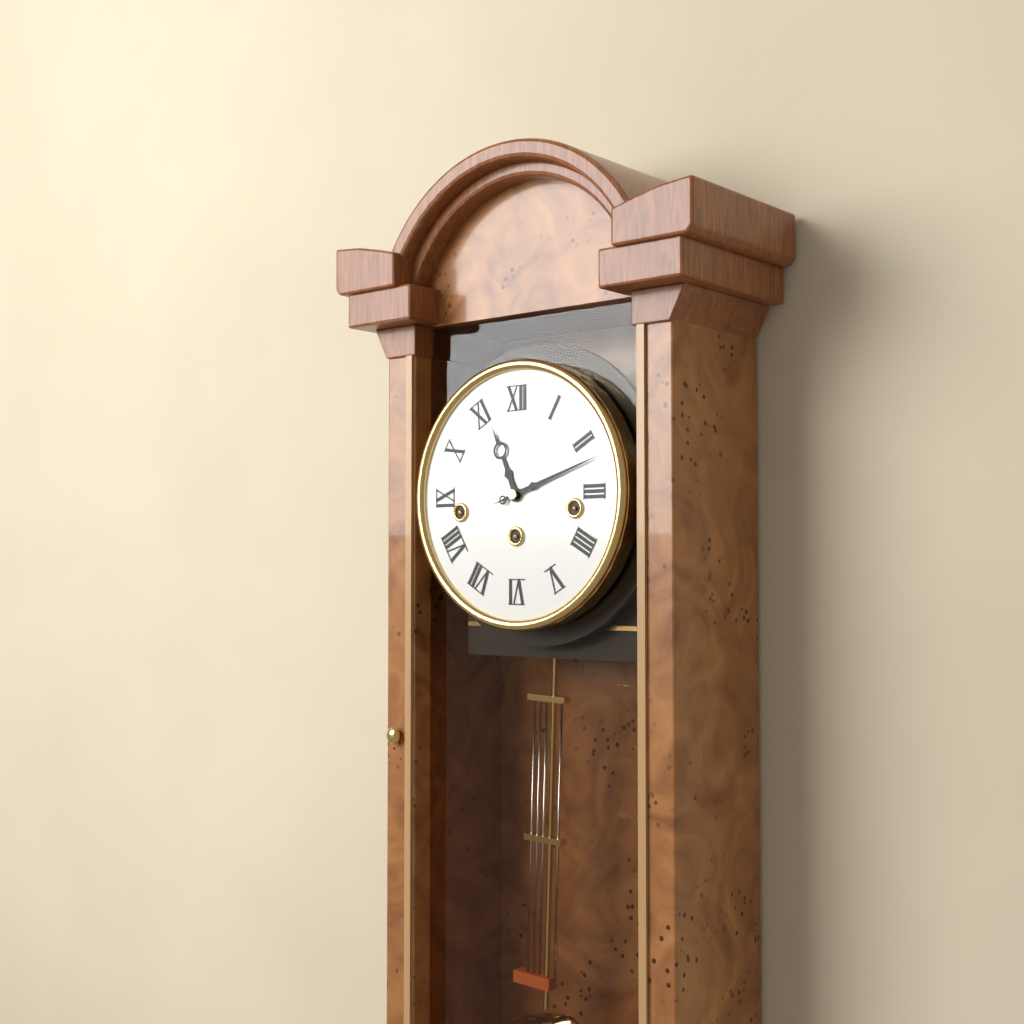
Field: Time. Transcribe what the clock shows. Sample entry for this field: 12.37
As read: 11.12
